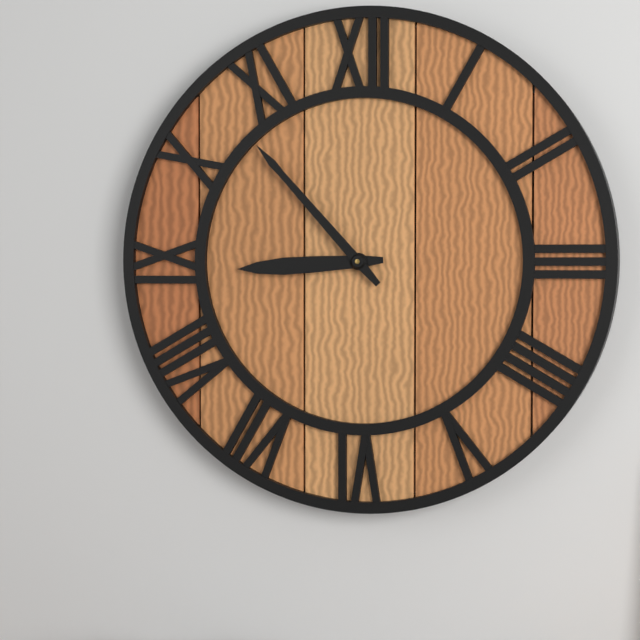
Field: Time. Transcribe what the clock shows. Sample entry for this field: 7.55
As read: 8.53
